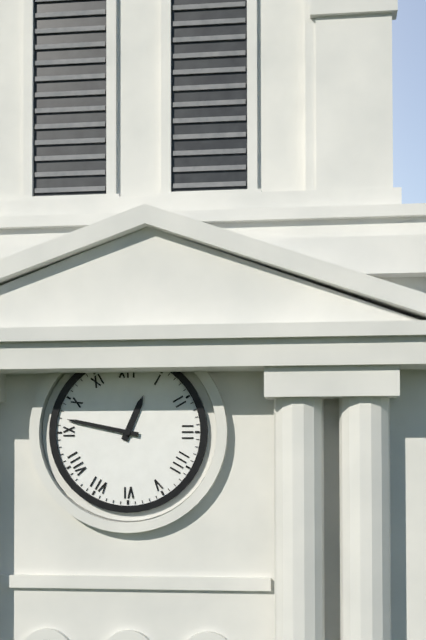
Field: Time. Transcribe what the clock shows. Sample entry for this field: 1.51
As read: 12.47
